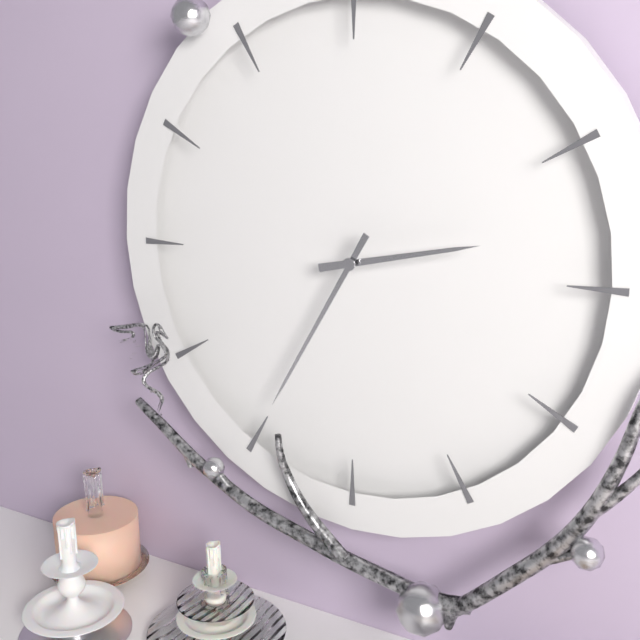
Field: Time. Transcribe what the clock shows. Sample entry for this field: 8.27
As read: 2.35
